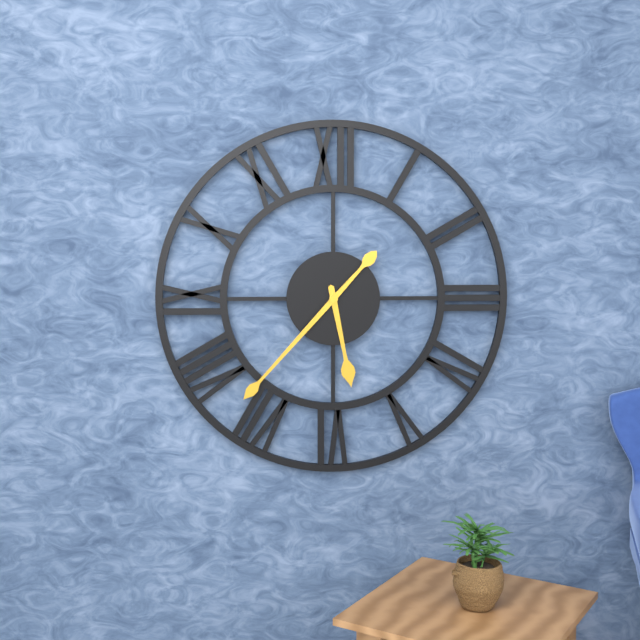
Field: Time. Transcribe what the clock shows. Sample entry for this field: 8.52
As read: 5.37
